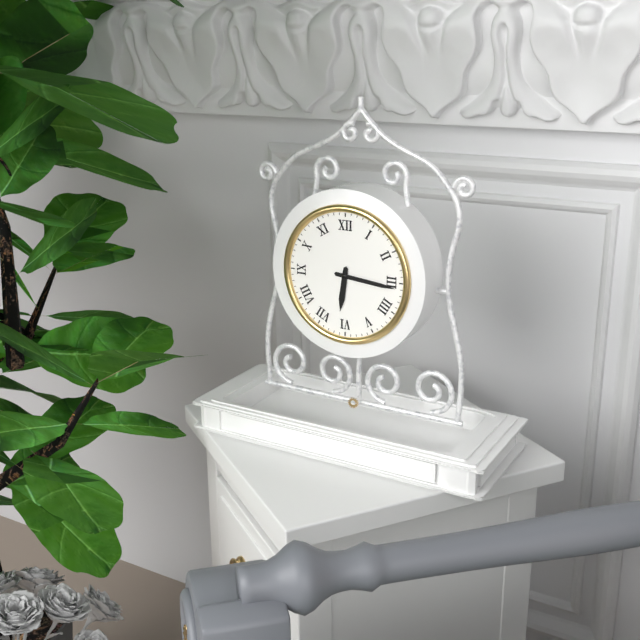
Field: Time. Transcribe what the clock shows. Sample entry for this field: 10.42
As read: 6.16
